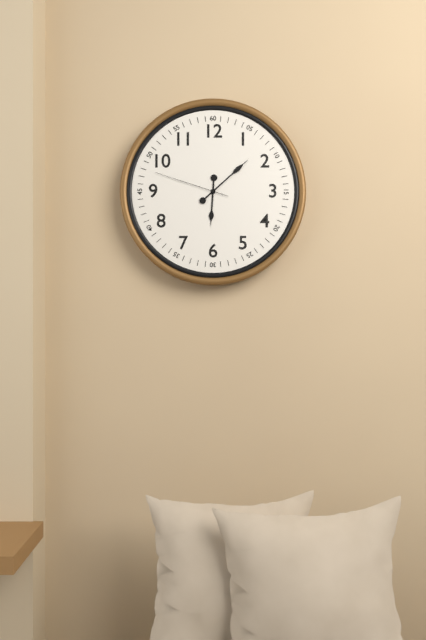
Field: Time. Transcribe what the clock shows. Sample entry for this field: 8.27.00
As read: 6.08.48
